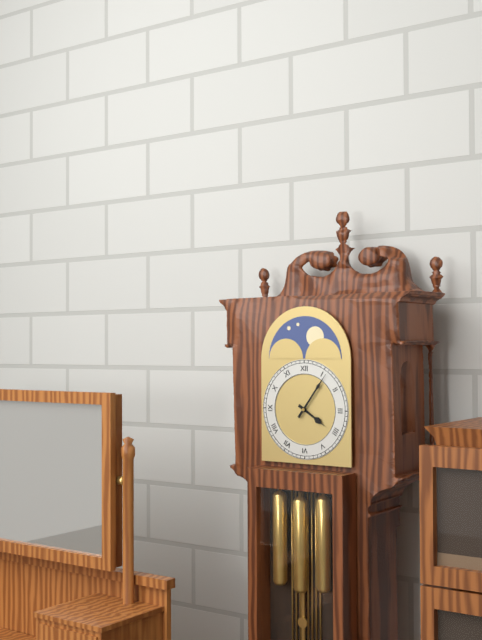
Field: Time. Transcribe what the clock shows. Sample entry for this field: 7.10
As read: 4.06
